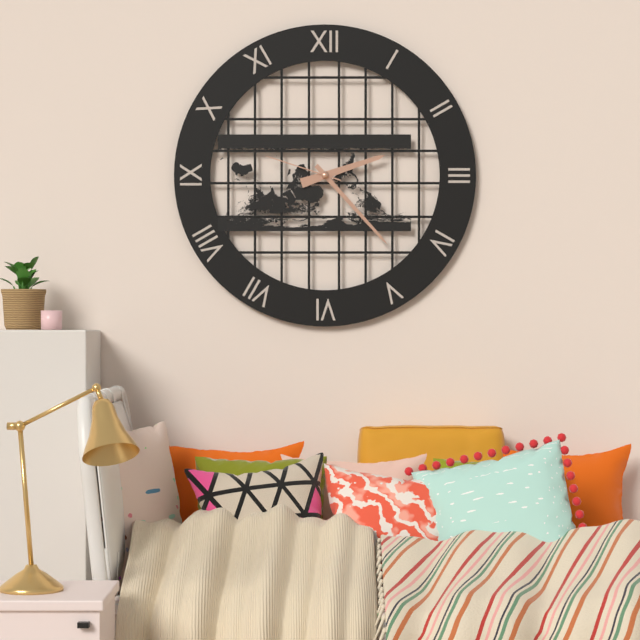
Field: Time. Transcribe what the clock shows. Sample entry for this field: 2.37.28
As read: 2.23.48
